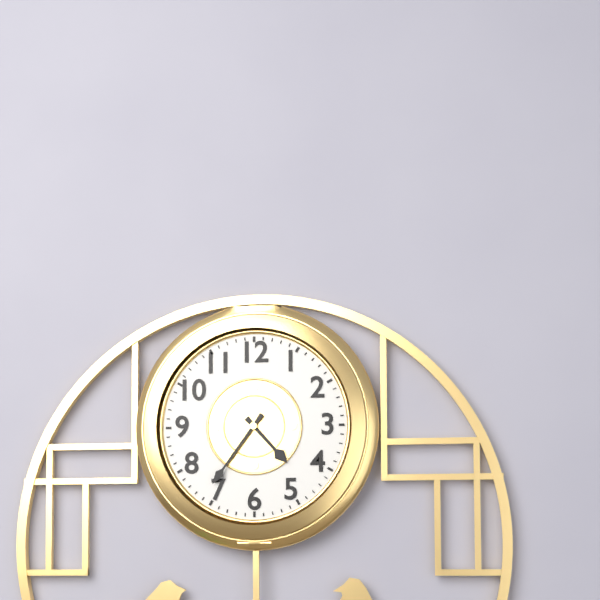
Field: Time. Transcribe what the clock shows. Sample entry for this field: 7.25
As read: 4.36
